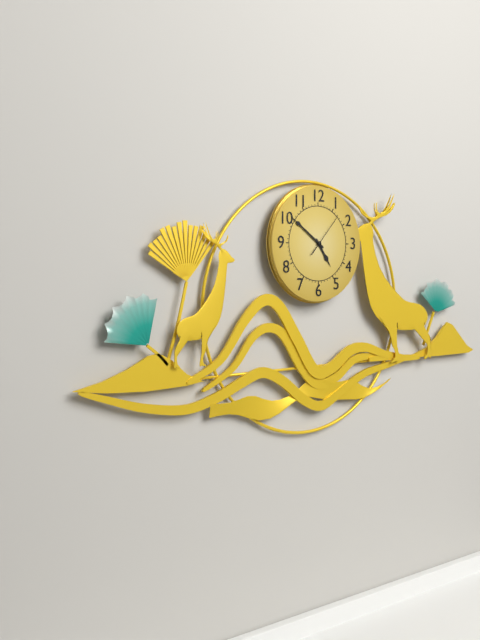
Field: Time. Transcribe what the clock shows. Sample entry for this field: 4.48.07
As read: 4.51.07
